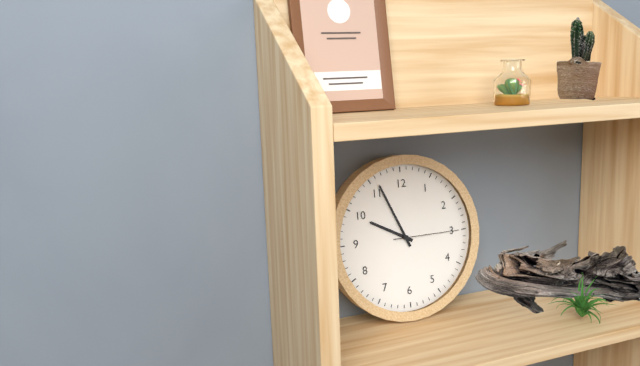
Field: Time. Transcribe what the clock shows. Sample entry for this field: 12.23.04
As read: 9.56.15
